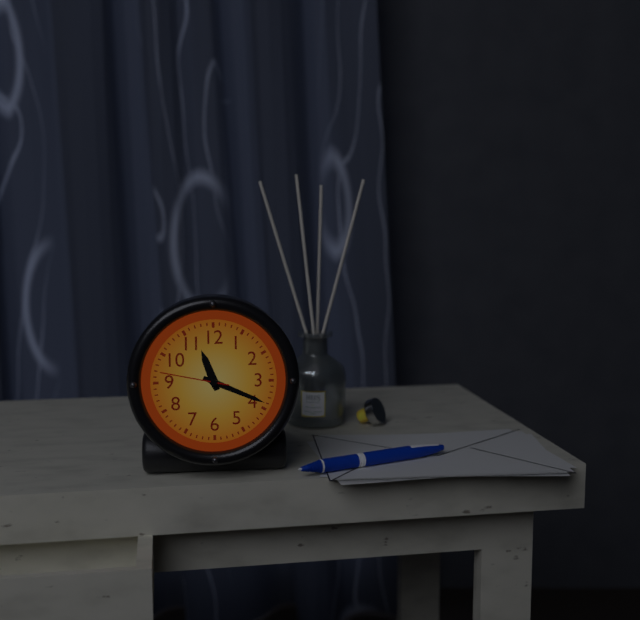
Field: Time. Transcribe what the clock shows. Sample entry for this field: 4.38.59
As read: 11.19.47
